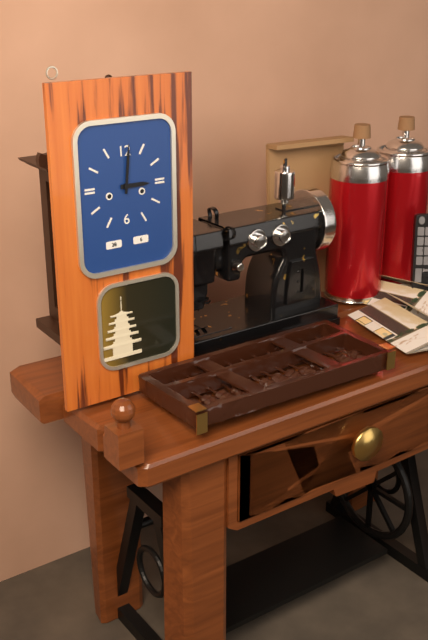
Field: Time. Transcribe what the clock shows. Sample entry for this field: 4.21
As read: 3.01
